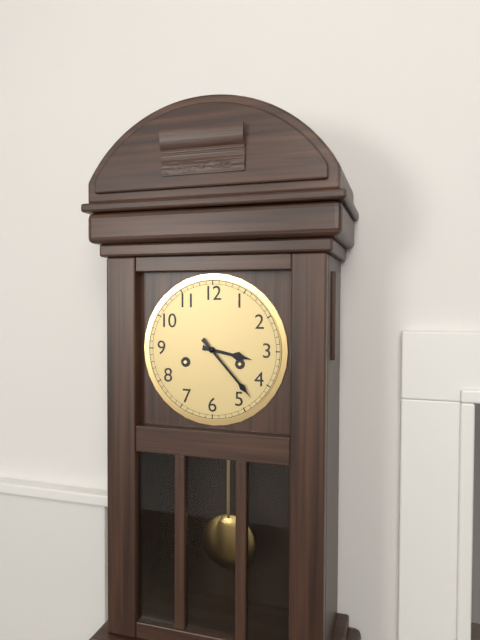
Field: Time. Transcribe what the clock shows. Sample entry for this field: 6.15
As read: 3.23
